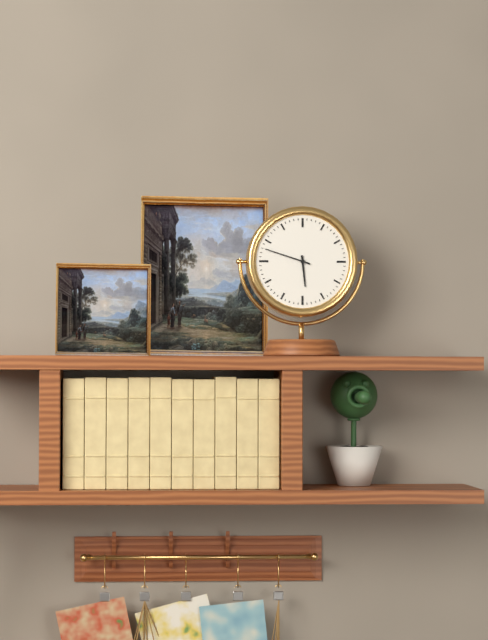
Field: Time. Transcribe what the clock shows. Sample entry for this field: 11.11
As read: 5.48
